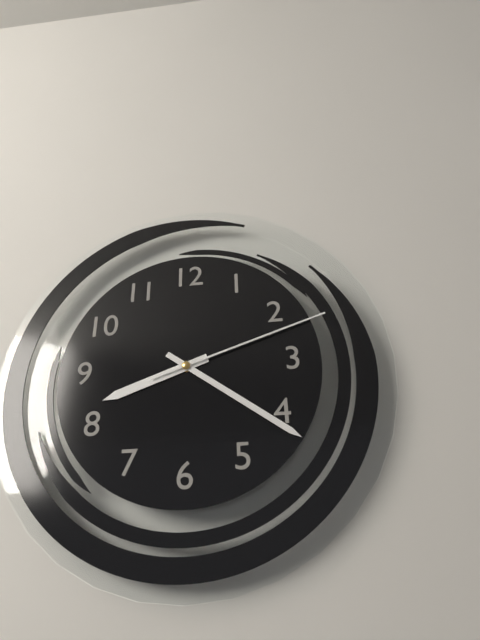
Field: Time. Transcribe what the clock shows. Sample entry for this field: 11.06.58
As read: 8.21.12
